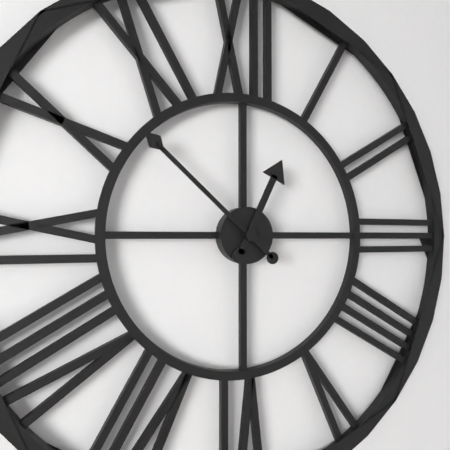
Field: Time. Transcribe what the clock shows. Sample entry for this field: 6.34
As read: 12.52
